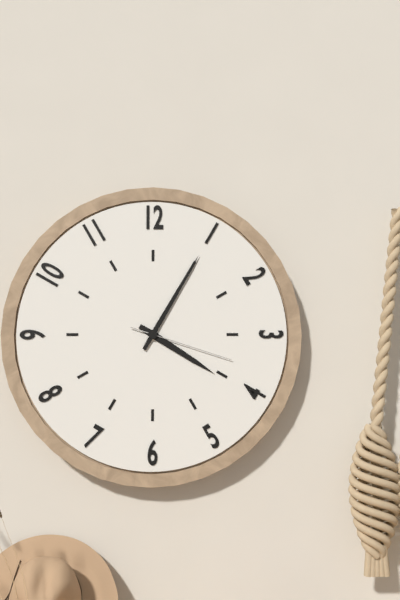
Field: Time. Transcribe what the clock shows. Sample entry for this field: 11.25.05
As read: 4.05.18
